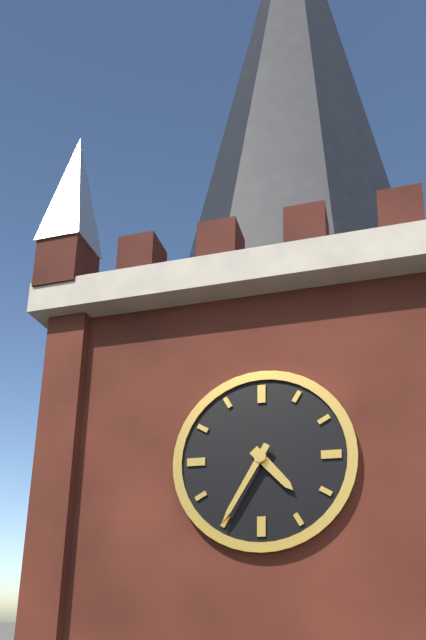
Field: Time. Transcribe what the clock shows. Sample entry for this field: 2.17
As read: 4.35
